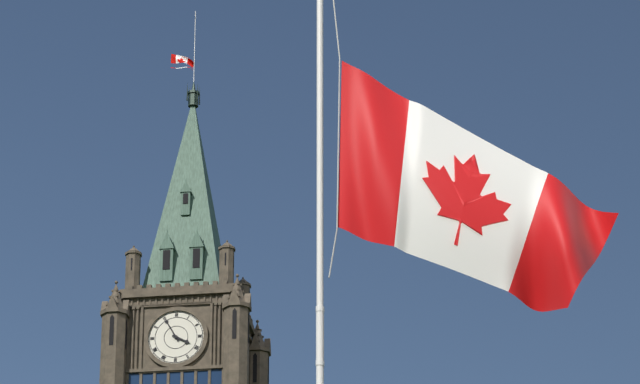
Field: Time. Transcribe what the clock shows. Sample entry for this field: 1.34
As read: 3.55
